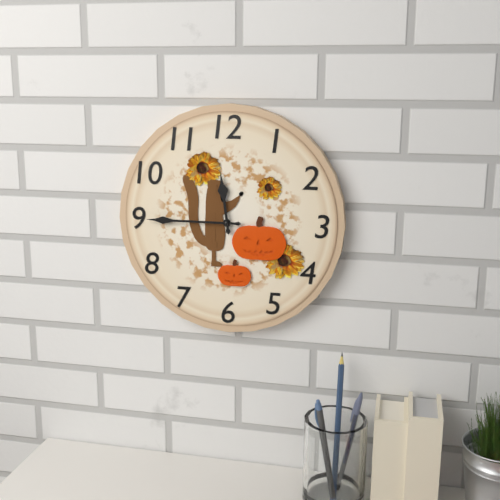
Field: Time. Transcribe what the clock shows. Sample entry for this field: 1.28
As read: 11.45
